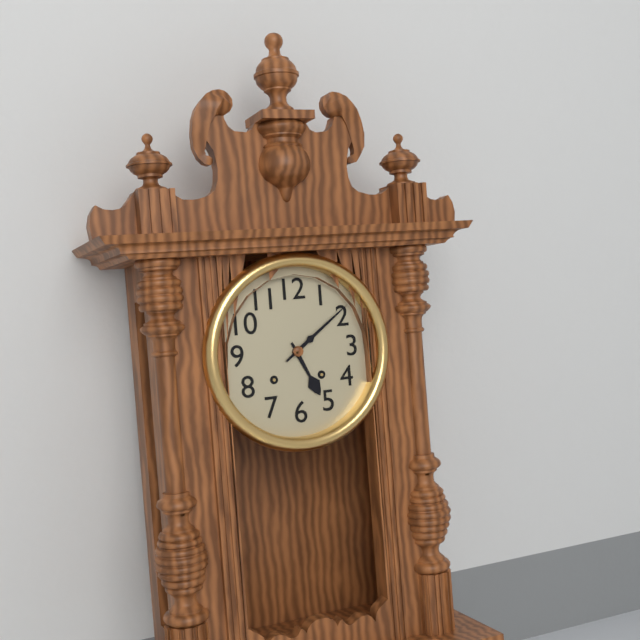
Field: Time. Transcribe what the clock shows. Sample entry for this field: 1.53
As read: 5.09
